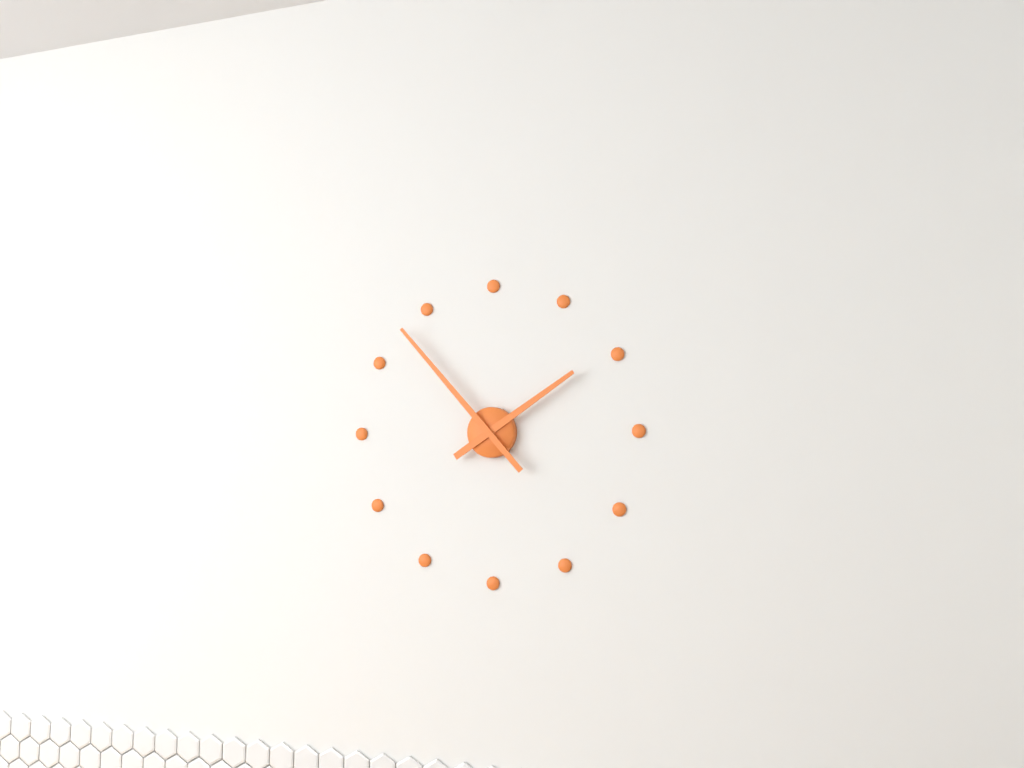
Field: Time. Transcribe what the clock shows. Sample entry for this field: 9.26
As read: 1.53
